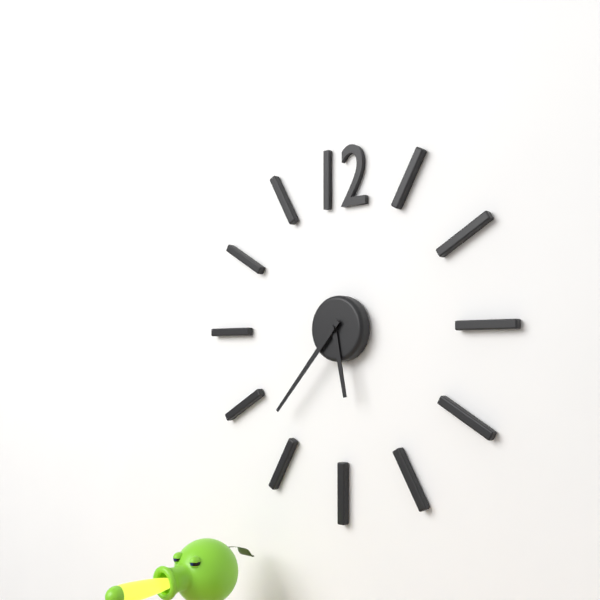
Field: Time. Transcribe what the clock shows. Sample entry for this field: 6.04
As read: 5.37
